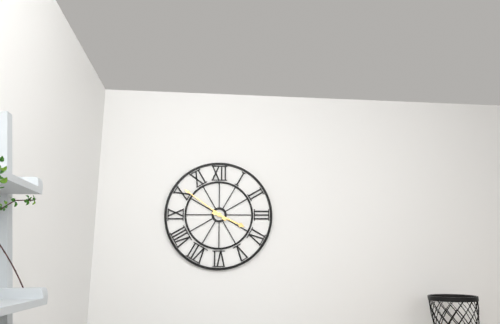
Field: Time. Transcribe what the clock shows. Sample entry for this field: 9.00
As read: 3.51
